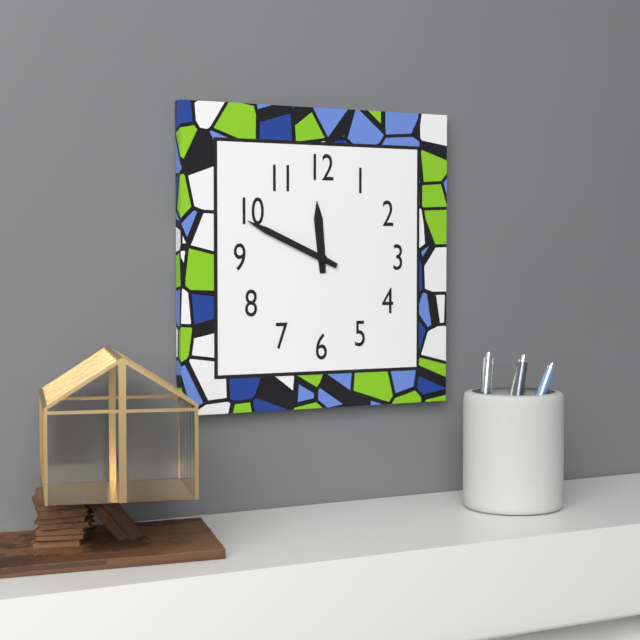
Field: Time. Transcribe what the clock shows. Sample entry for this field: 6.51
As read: 11.49
